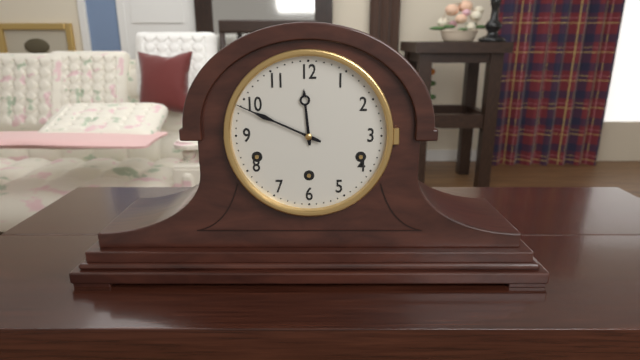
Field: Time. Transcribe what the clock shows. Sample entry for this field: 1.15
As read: 11.49
